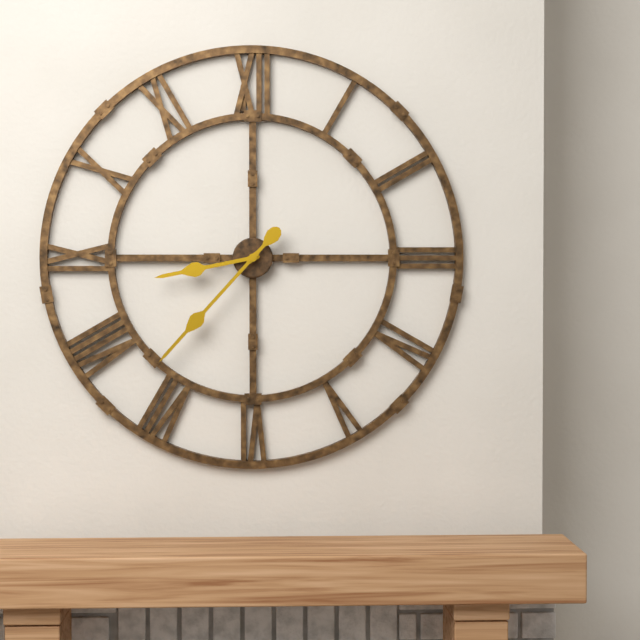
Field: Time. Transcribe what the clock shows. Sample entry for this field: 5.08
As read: 8.37
